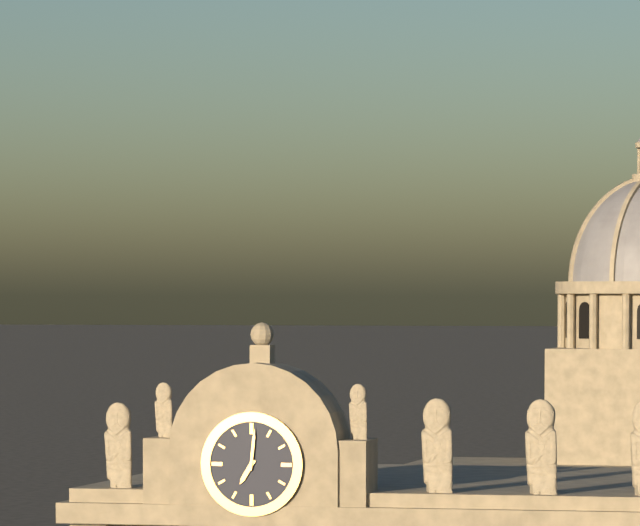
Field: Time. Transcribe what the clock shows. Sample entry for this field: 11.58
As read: 7.01
